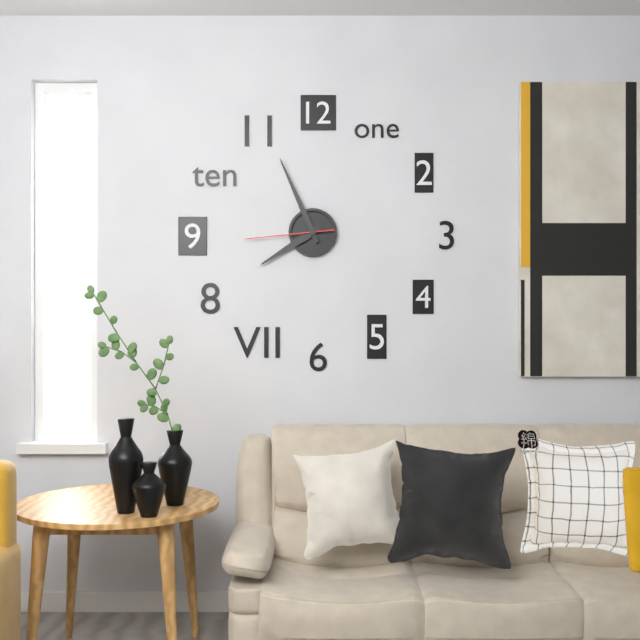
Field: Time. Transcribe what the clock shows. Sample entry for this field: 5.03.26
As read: 7.56.44
